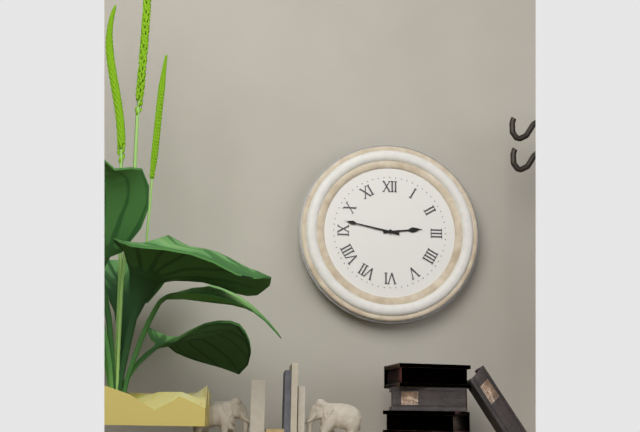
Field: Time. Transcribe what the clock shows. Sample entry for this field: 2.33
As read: 2.47
